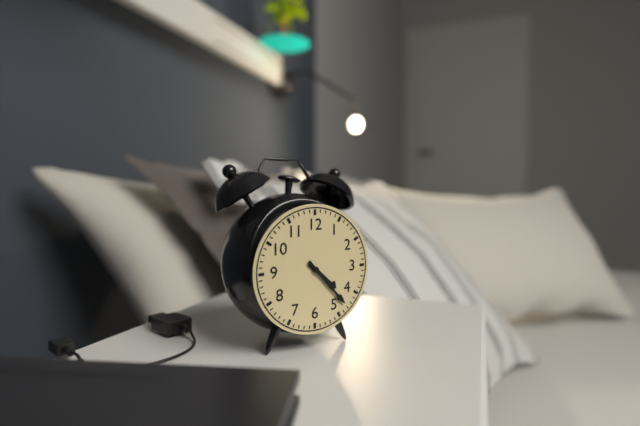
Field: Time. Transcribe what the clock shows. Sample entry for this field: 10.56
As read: 4.23
